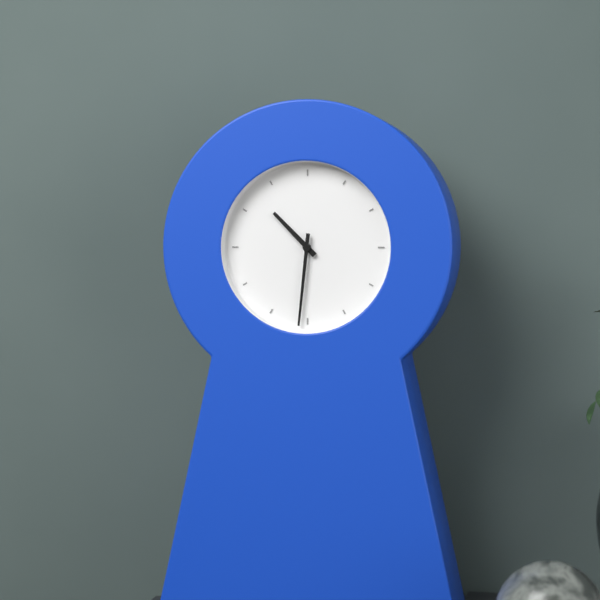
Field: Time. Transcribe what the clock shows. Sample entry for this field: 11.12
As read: 10.31
